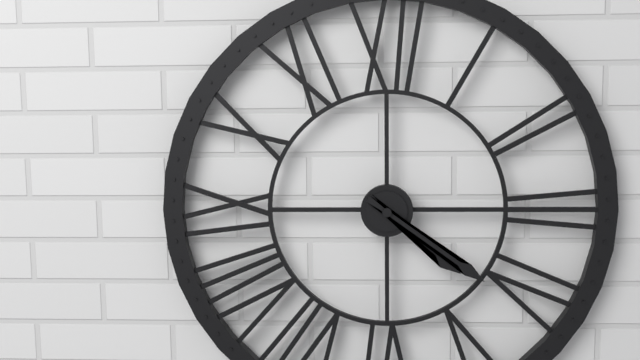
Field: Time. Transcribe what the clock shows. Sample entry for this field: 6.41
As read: 4.21
